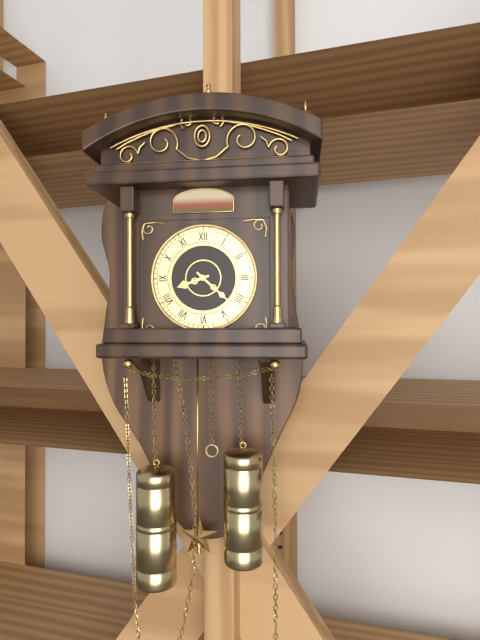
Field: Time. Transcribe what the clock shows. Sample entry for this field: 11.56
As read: 8.22
